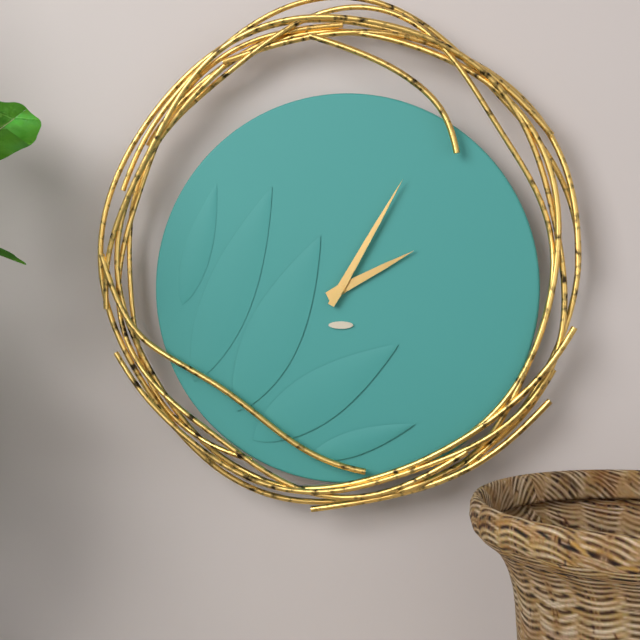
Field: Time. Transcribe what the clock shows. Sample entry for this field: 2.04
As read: 2.05
